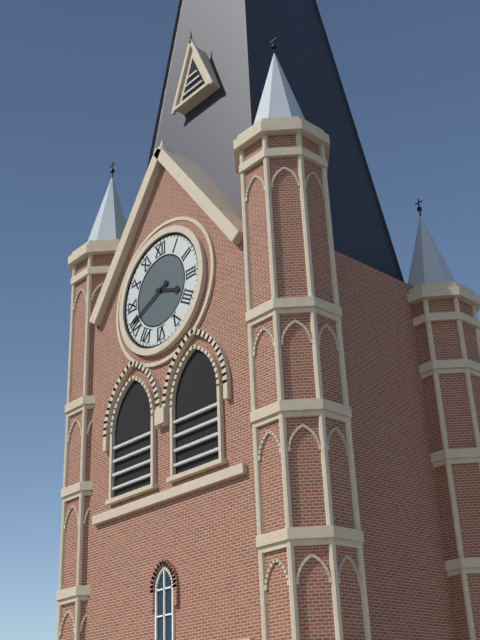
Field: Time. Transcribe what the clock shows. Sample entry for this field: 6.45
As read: 3.41
